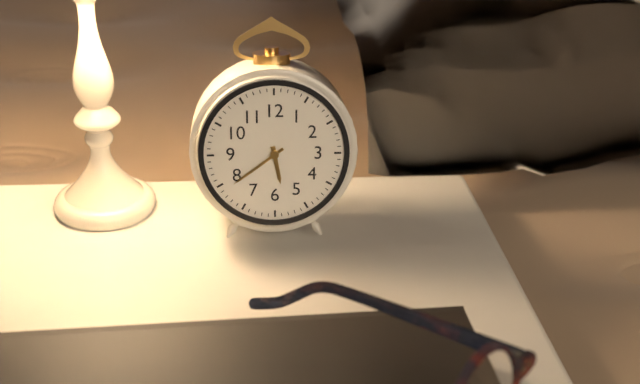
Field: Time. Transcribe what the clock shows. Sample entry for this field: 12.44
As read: 5.39
